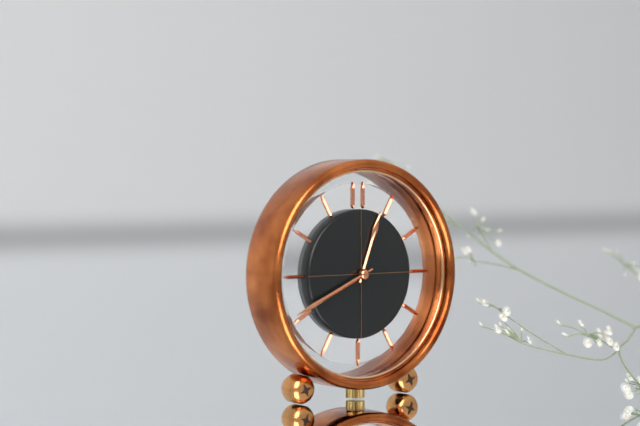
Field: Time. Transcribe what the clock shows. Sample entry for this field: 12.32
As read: 12.41
